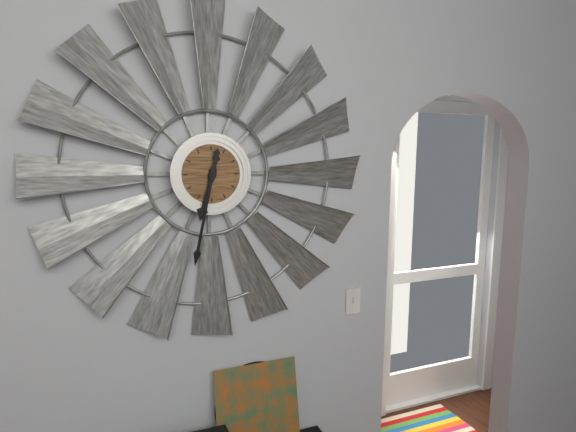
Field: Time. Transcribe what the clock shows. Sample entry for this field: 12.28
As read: 6.32
